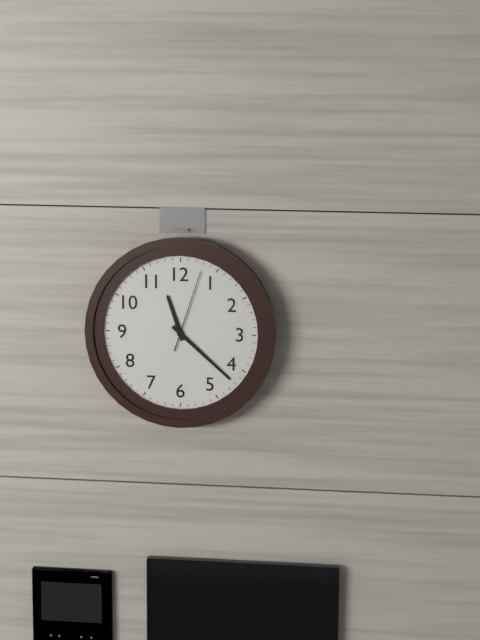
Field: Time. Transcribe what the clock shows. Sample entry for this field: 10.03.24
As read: 11.22.03
